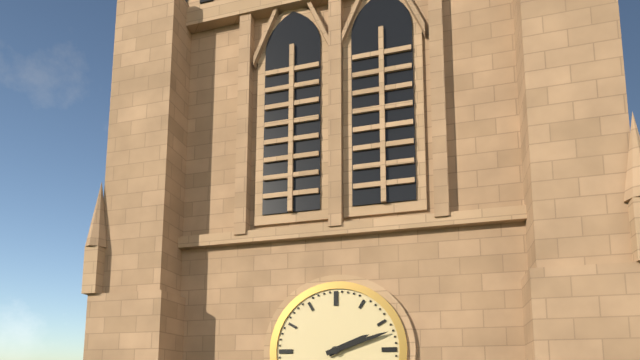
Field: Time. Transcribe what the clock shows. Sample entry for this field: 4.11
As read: 2.12
